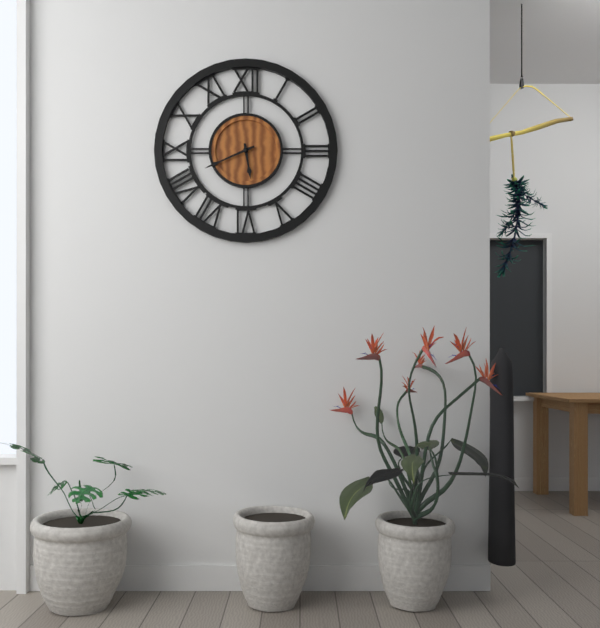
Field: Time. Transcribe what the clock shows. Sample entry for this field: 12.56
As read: 5.41
